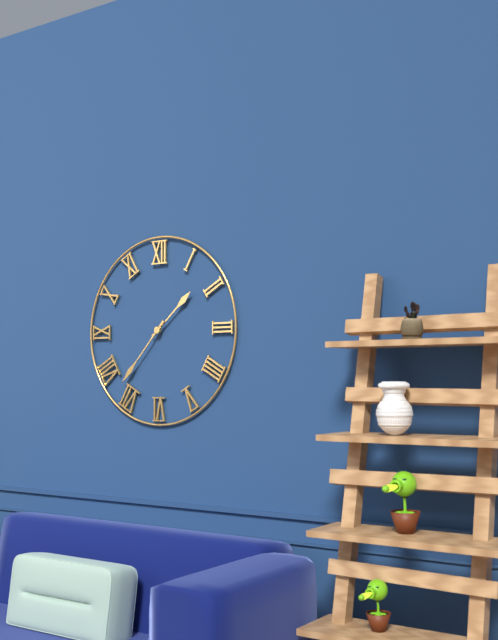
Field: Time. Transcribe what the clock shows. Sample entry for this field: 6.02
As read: 1.37
